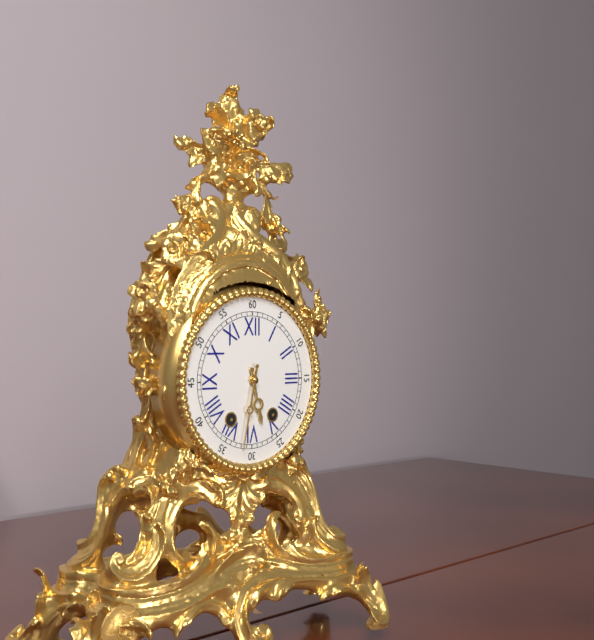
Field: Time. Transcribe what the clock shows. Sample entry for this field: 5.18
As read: 5.32
